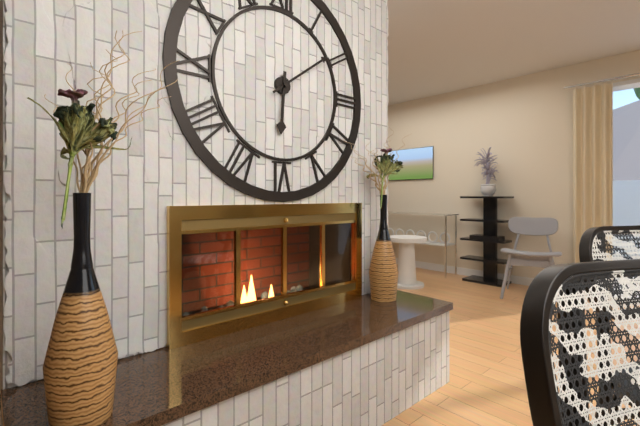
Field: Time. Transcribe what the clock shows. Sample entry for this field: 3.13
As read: 6.09
